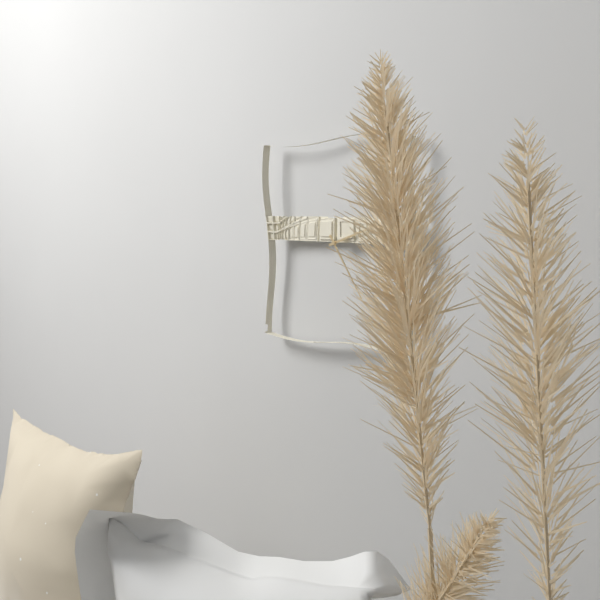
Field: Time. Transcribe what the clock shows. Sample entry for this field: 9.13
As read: 2.24
